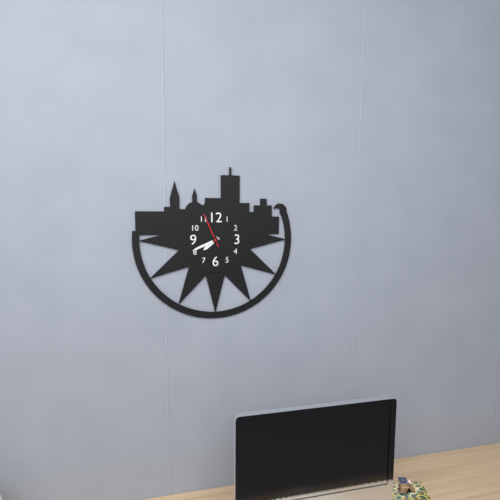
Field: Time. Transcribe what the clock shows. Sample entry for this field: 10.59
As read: 7.41
